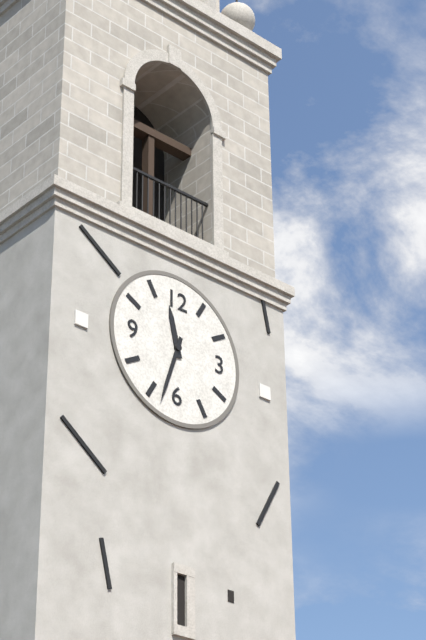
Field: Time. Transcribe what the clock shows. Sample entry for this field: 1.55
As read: 11.33
